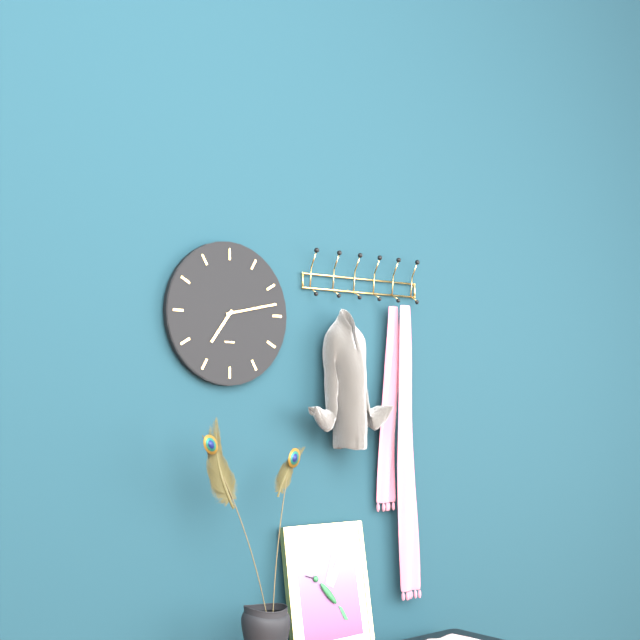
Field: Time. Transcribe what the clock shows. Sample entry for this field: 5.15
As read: 7.13
